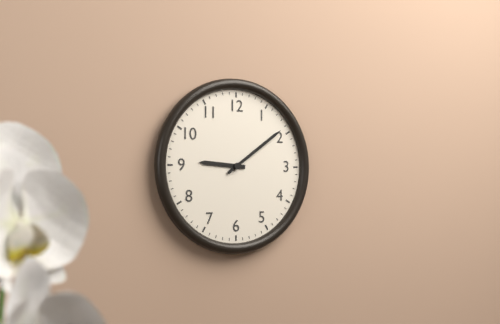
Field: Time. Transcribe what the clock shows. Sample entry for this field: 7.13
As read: 9.09
